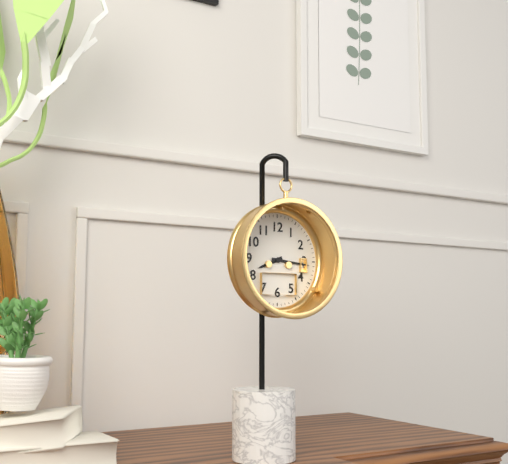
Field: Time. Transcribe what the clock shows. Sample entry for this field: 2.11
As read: 8.16
